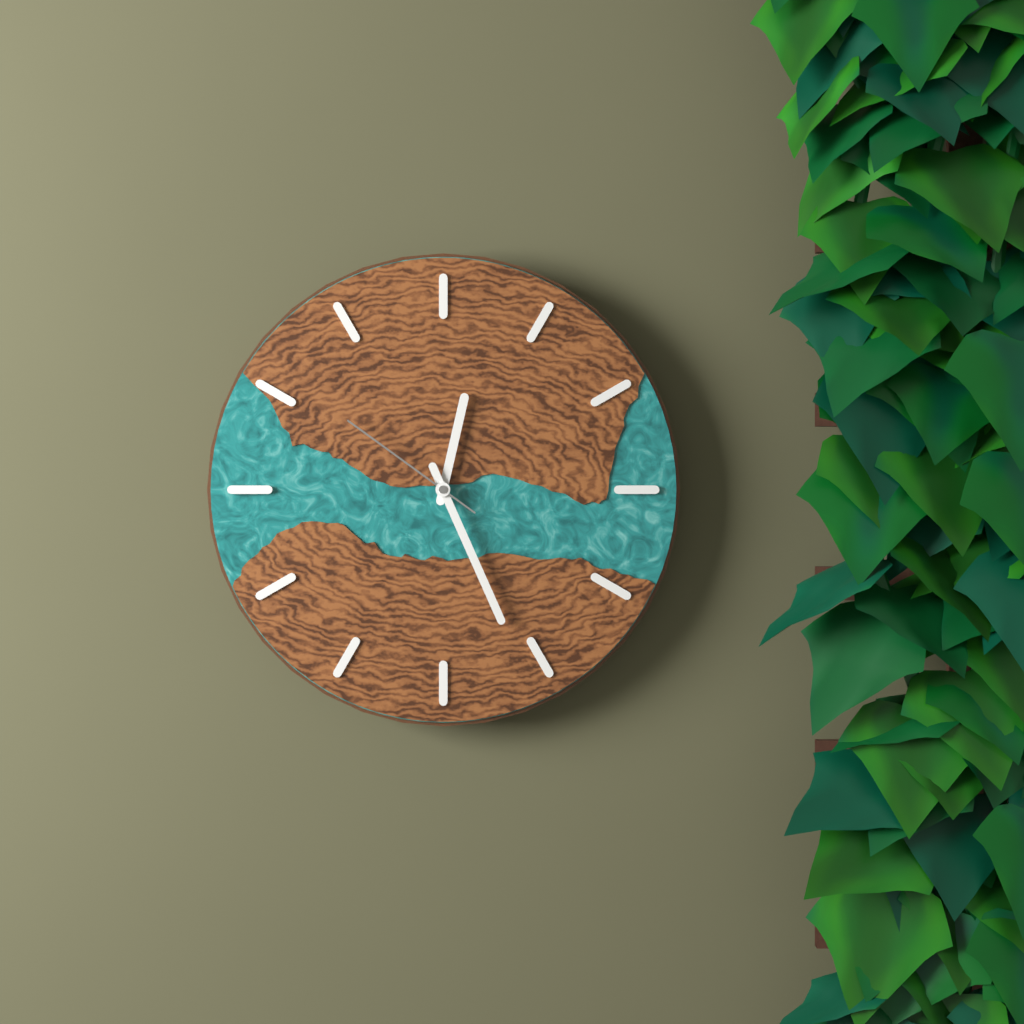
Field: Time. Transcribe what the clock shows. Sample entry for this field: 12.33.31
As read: 12.26.51
